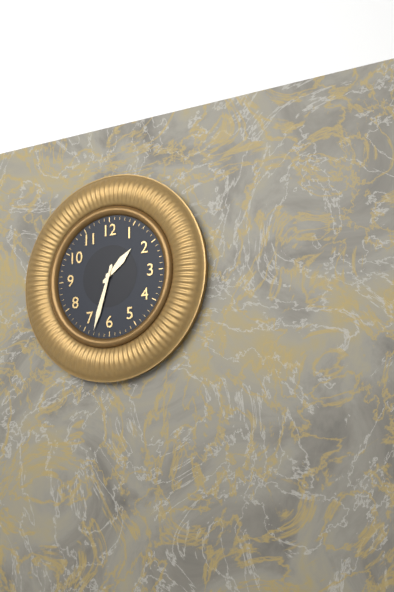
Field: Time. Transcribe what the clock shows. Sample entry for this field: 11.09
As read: 1.33
